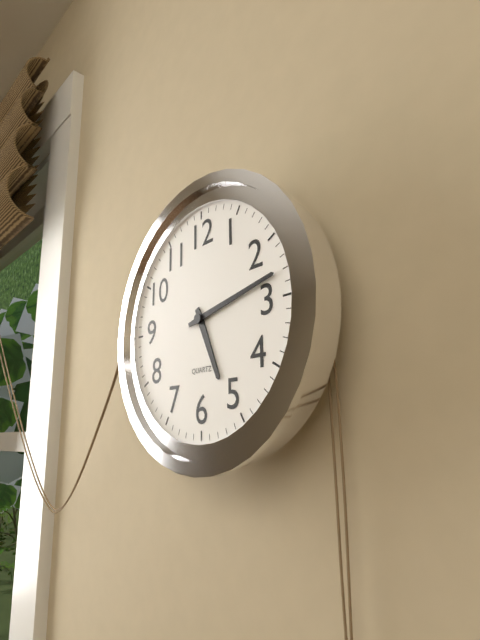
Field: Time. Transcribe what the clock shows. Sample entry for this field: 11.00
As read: 5.13
